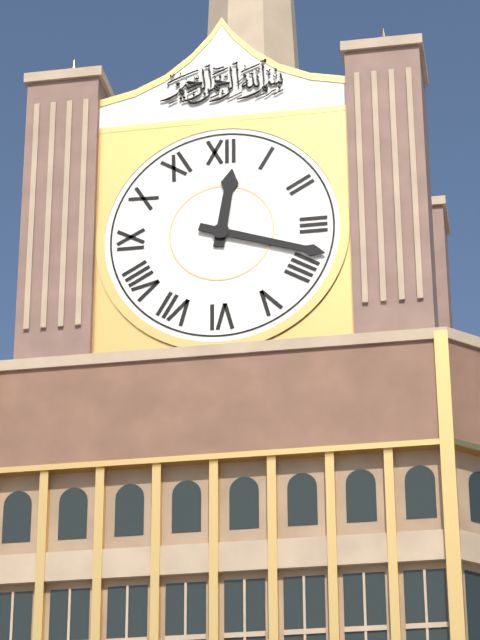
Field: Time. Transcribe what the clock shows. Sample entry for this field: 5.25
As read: 12.18
